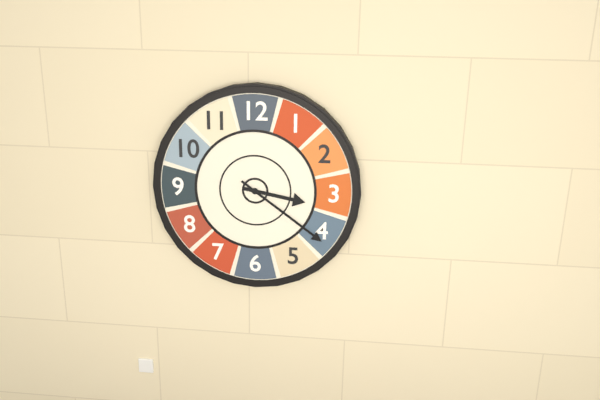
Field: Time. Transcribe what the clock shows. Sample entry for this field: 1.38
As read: 3.21
